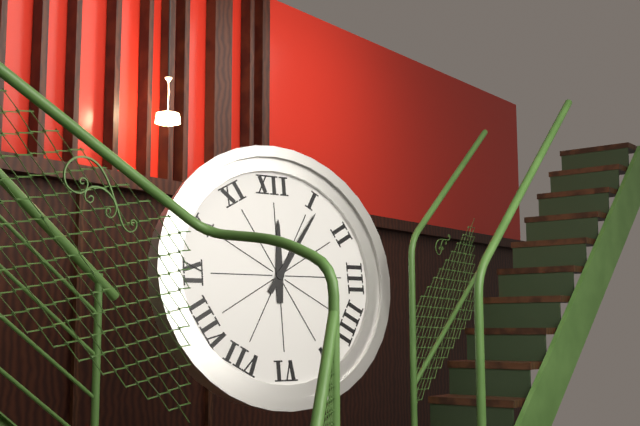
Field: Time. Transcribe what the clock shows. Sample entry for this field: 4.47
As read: 12.06
